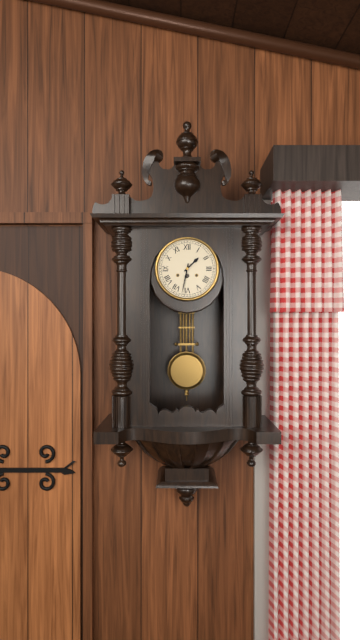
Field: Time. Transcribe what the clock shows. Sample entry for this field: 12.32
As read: 1.32
